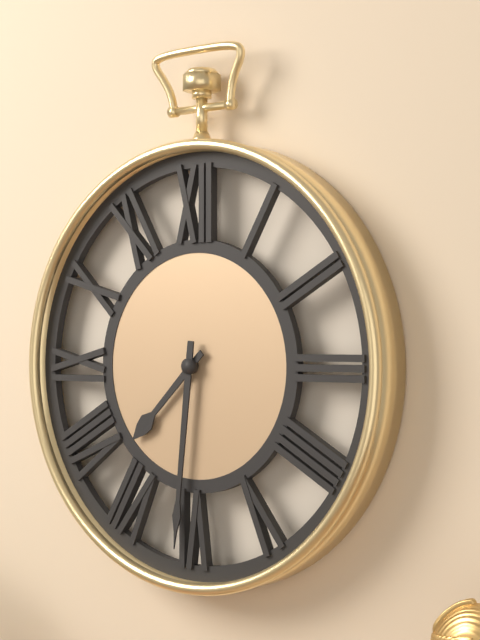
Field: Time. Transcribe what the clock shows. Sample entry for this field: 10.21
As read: 7.31
